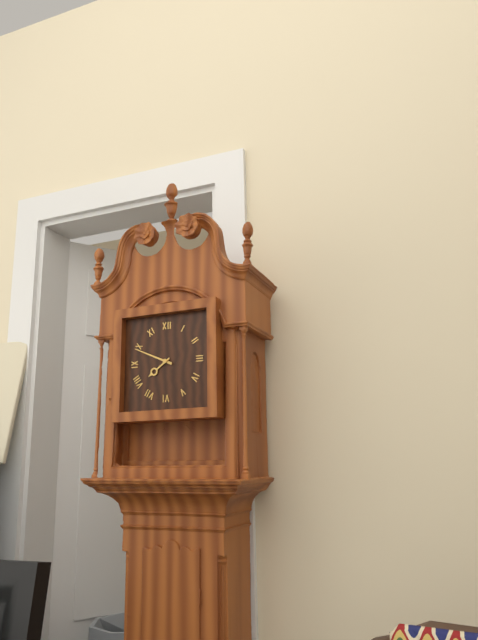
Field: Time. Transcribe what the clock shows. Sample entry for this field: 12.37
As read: 7.49
